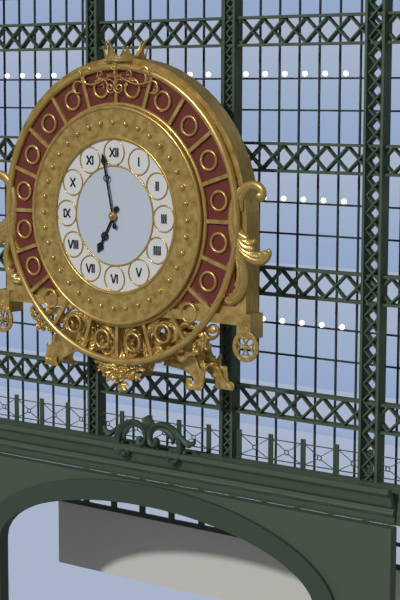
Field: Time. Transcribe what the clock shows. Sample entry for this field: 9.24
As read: 6.58
